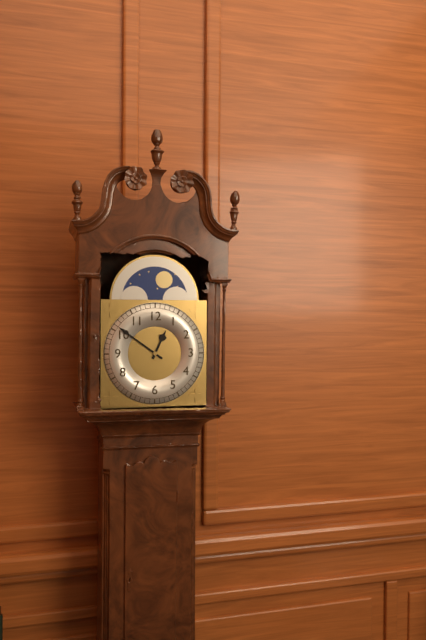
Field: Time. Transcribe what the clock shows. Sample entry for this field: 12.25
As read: 12.51
